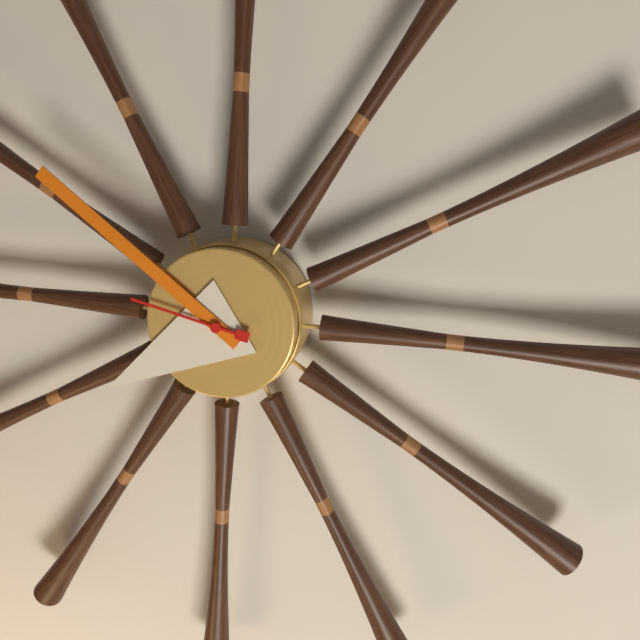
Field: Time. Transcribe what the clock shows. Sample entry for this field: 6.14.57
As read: 7.51.47
